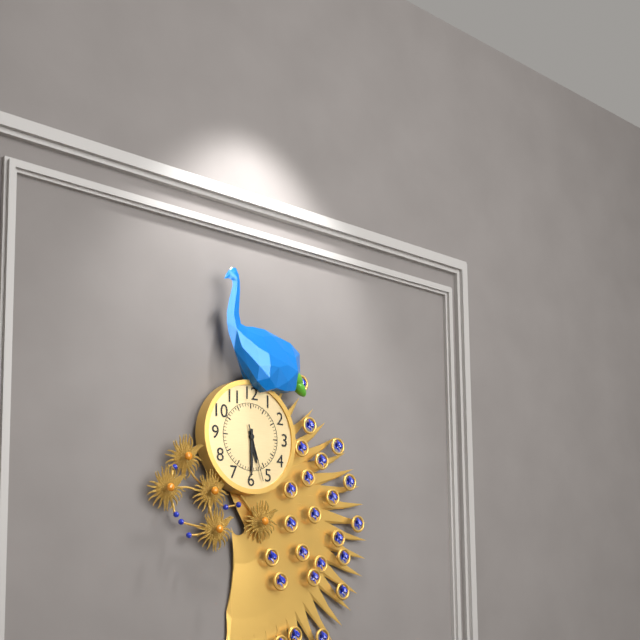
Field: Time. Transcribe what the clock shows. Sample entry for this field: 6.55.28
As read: 5.30.27
